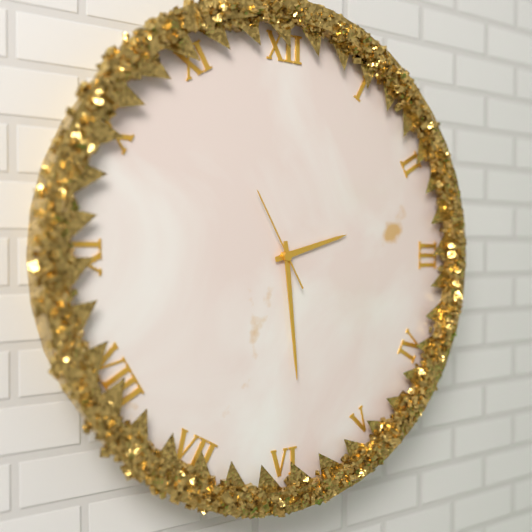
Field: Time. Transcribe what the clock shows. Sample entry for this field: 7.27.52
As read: 2.29.55
